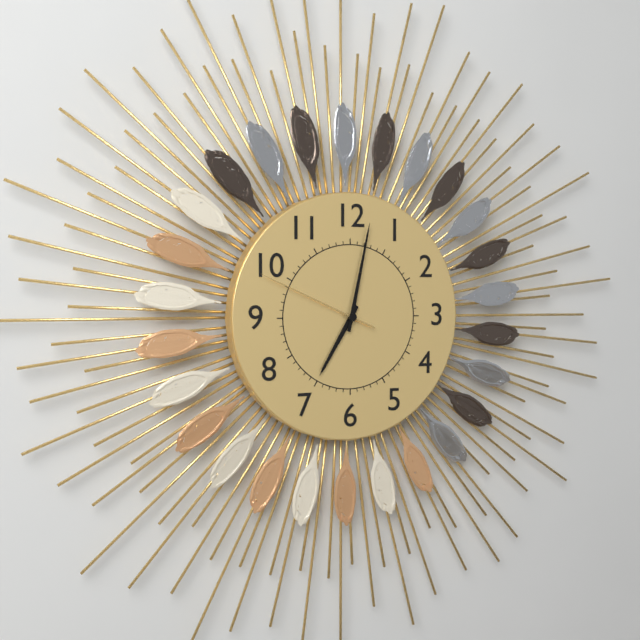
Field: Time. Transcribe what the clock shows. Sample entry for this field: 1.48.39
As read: 7.02.49
